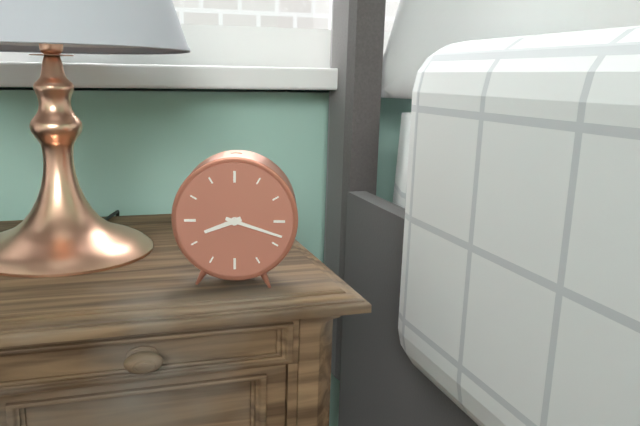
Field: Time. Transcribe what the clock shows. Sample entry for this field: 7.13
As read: 8.18
